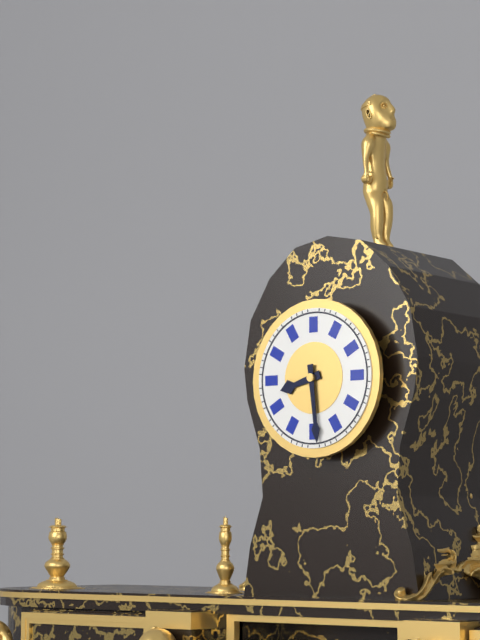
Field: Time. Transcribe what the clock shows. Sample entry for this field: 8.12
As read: 8.29
